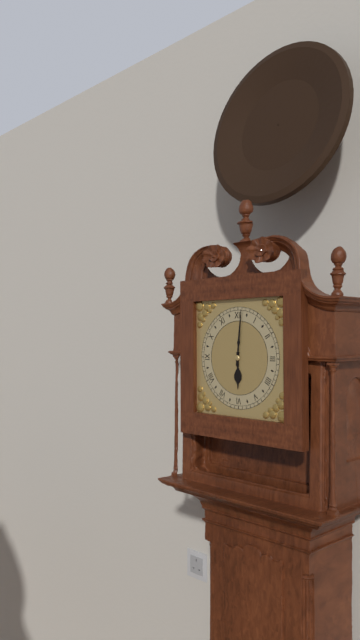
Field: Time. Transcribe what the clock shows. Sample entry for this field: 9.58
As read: 6.01
